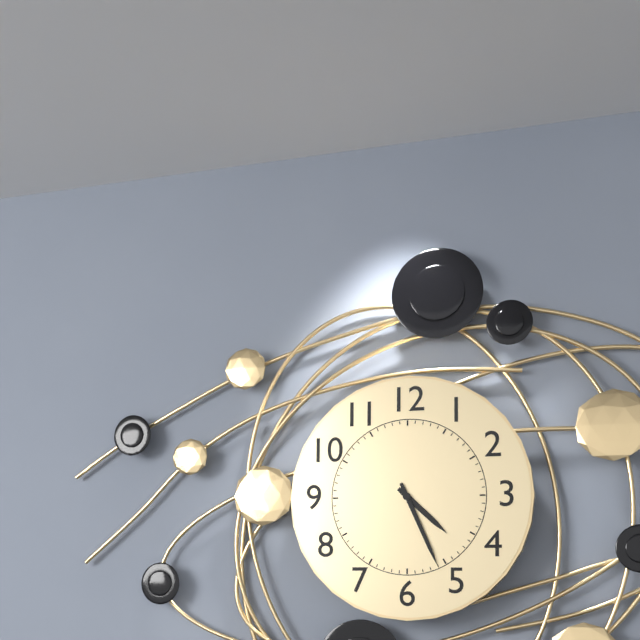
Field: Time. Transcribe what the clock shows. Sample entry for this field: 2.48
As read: 4.26
